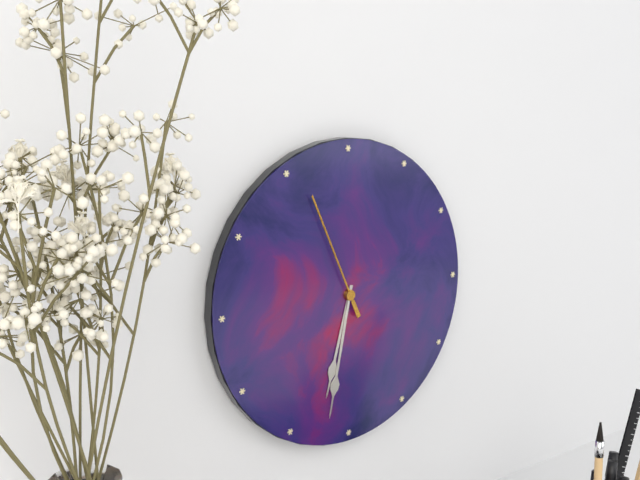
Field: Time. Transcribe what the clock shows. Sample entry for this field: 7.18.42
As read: 6.32.56
